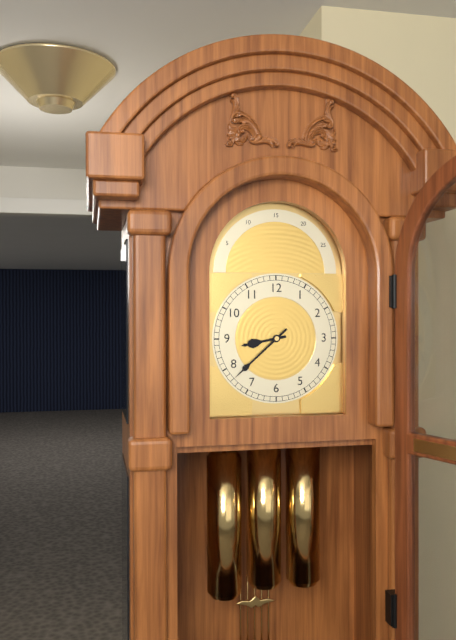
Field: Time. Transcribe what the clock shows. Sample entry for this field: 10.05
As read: 8.38
